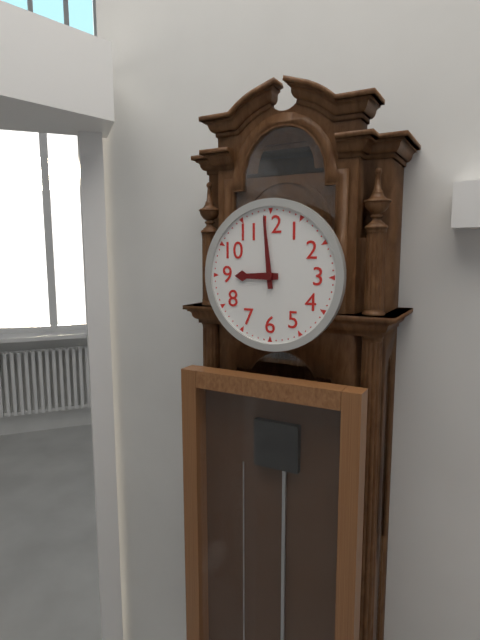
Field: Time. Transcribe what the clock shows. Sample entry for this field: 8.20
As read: 8.59
